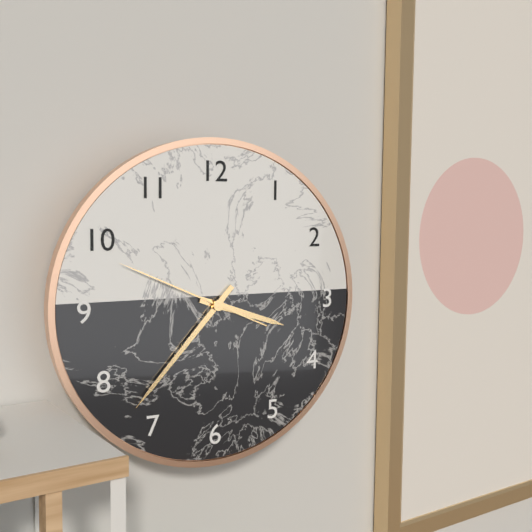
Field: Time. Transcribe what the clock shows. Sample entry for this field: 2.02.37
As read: 3.37.49
